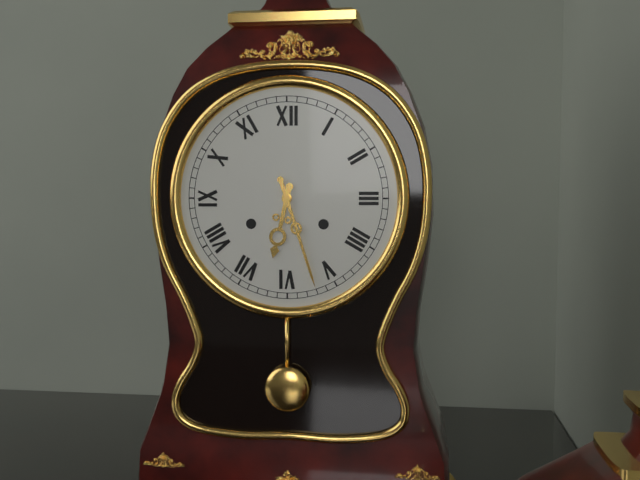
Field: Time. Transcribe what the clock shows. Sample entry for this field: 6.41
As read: 6.27
